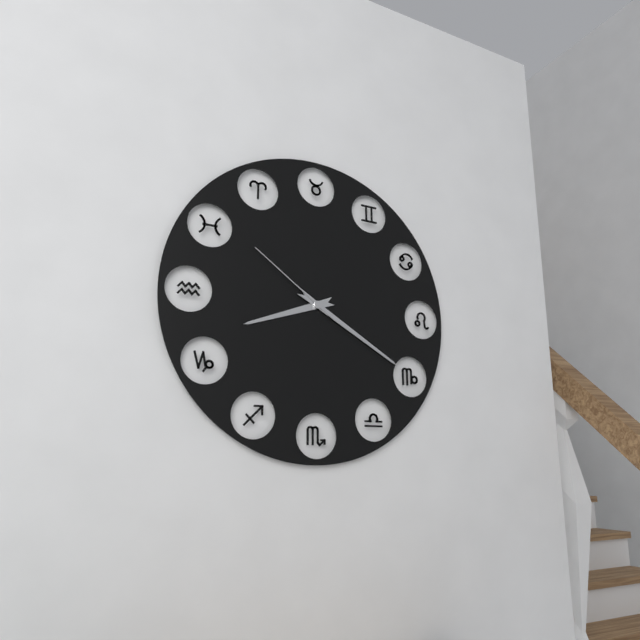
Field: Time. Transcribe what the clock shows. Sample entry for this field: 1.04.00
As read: 8.20.51
